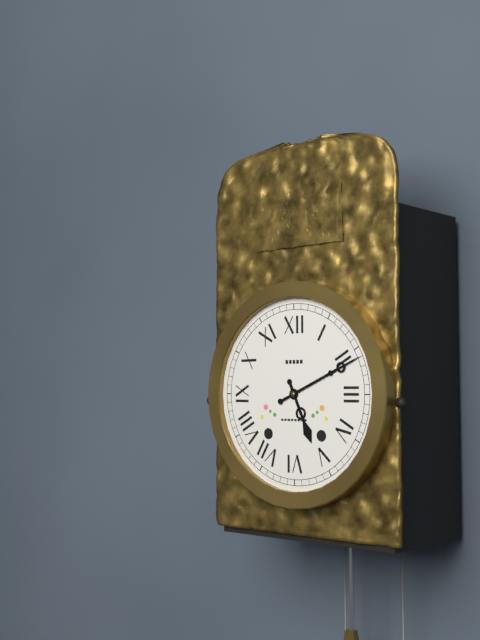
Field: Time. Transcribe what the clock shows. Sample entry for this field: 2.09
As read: 5.11
